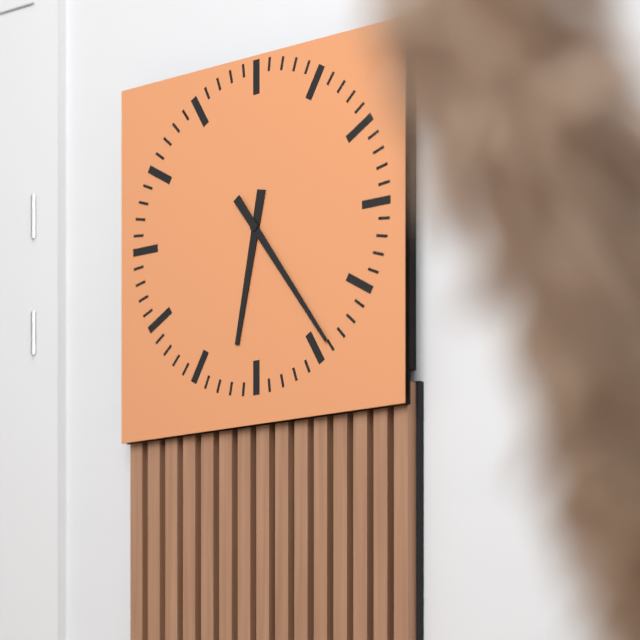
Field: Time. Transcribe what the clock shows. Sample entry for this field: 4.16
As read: 6.24
